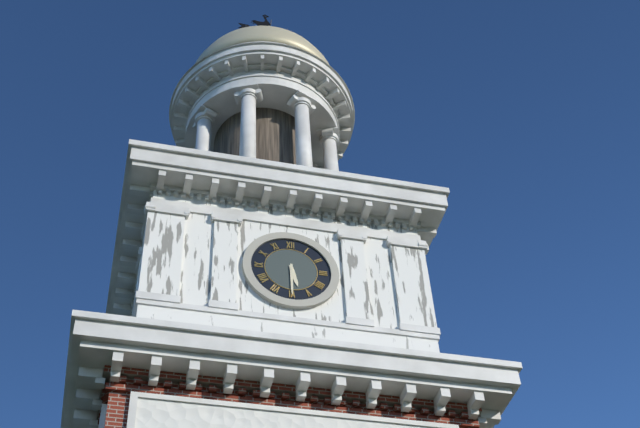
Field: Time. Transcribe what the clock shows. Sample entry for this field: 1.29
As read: 5.30
